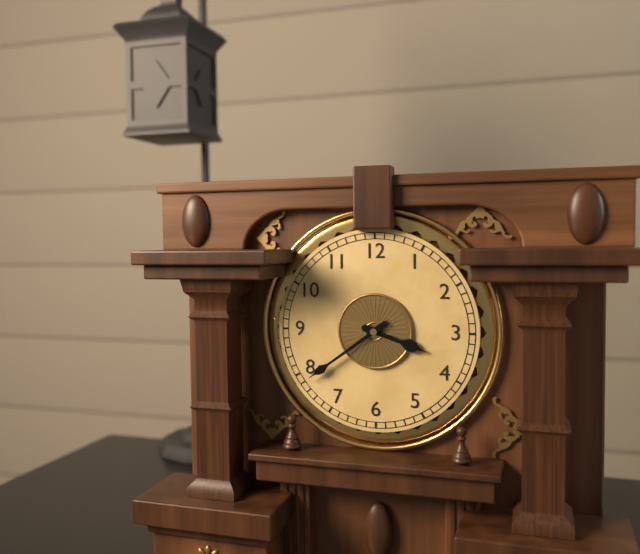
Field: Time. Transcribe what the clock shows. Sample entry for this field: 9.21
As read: 3.39
